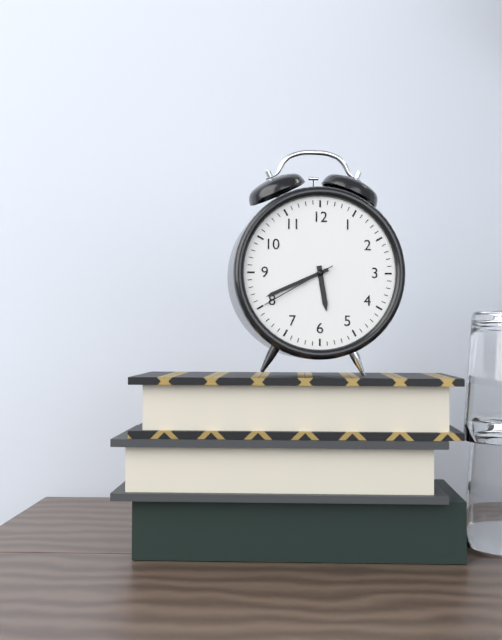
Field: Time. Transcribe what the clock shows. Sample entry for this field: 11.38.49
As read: 5.41.40
